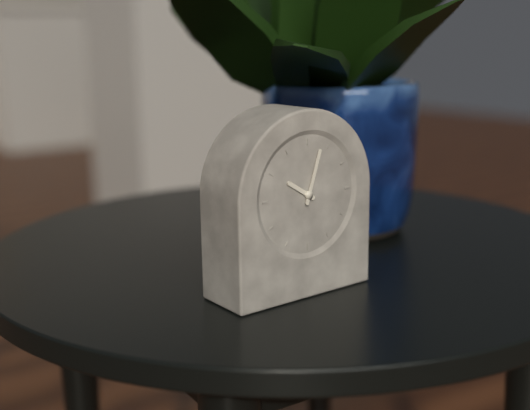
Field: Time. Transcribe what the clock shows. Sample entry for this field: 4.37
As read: 10.03
